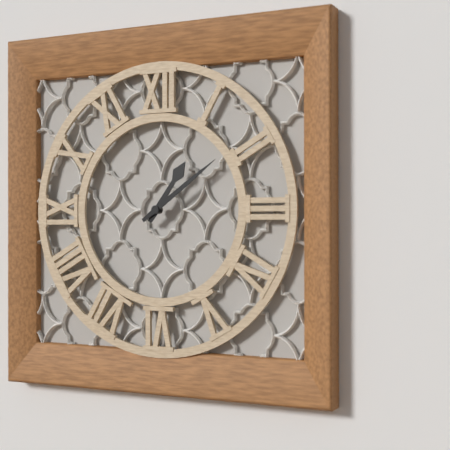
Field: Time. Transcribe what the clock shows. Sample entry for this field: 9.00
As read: 1.09
